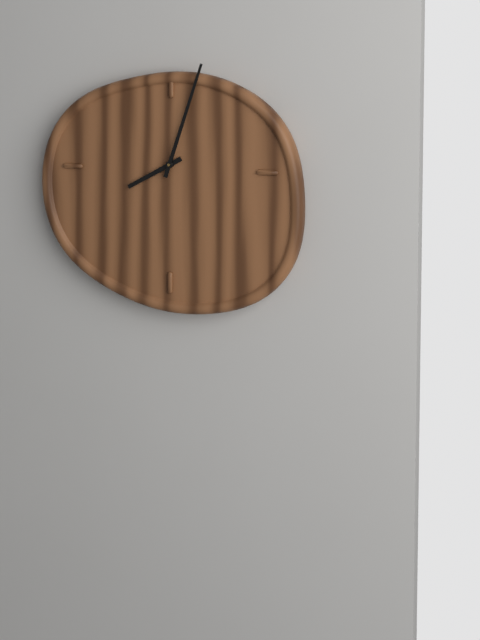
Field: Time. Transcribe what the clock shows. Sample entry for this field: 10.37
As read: 8.03
